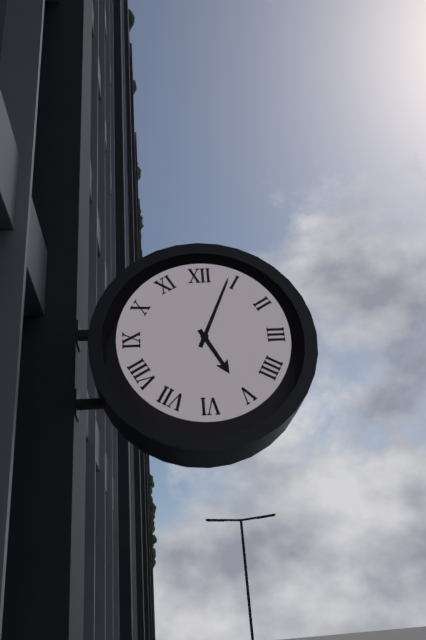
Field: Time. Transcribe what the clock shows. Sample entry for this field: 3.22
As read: 5.04
